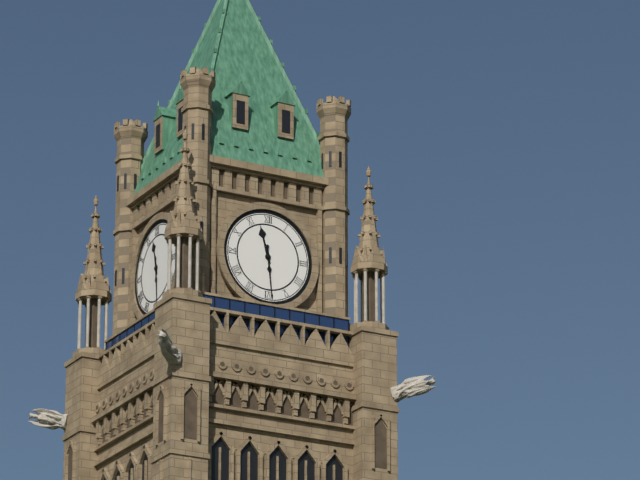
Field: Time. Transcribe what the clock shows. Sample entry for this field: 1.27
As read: 11.29
